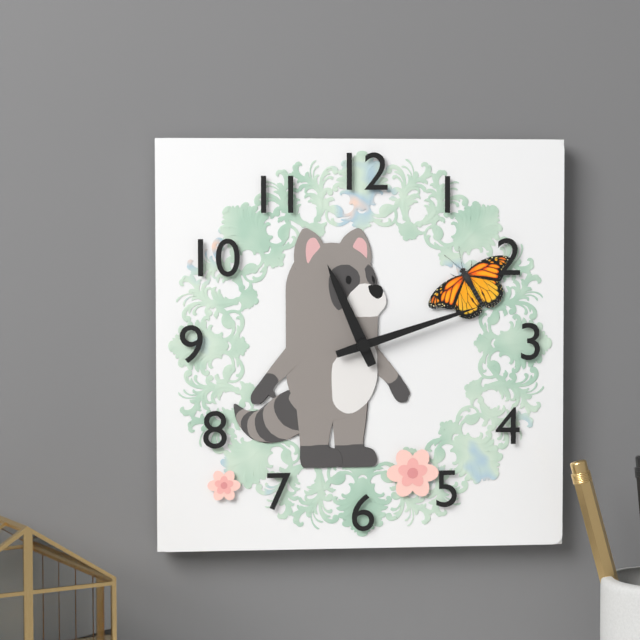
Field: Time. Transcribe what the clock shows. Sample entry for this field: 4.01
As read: 11.12
